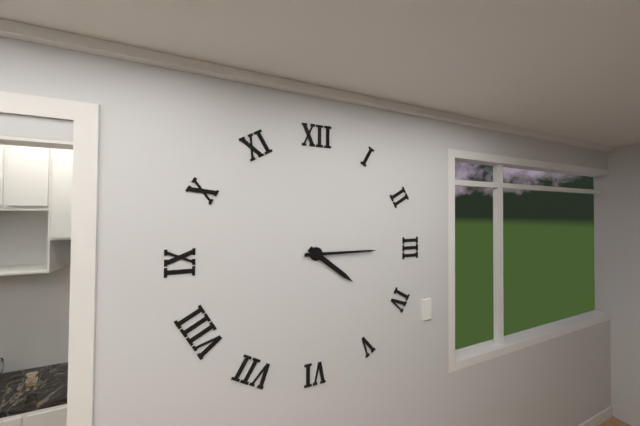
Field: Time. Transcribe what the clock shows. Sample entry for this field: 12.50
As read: 4.15
